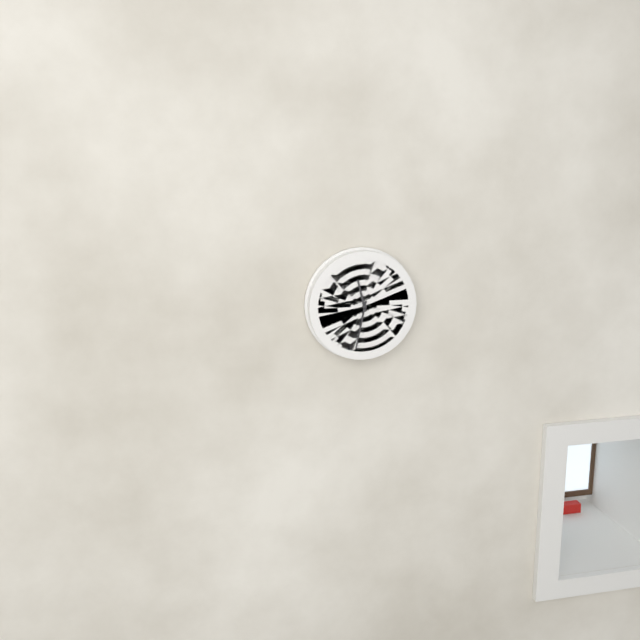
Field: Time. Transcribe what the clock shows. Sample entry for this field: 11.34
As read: 11.32
